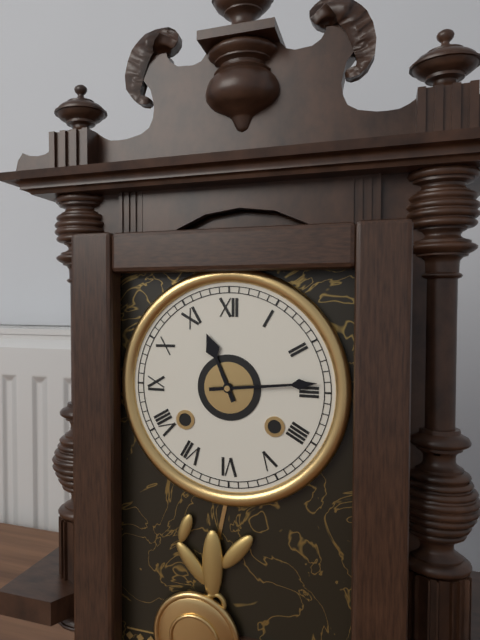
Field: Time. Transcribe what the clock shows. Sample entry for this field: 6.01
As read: 11.14
